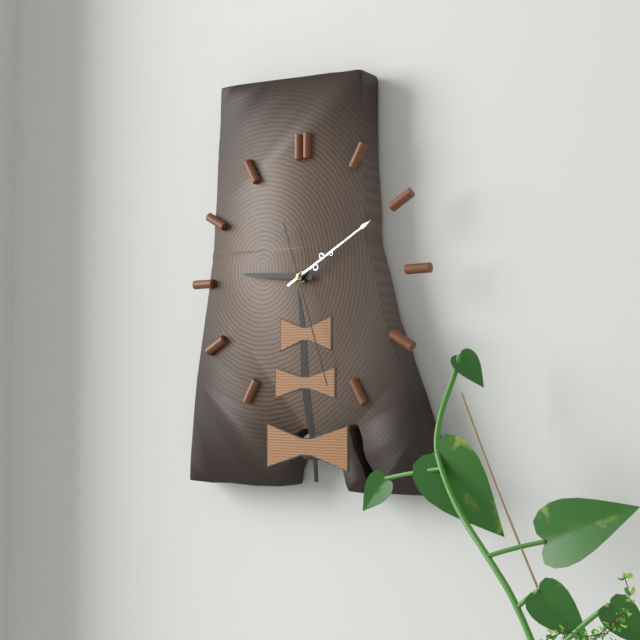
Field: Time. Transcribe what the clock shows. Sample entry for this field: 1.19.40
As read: 9.10.27
